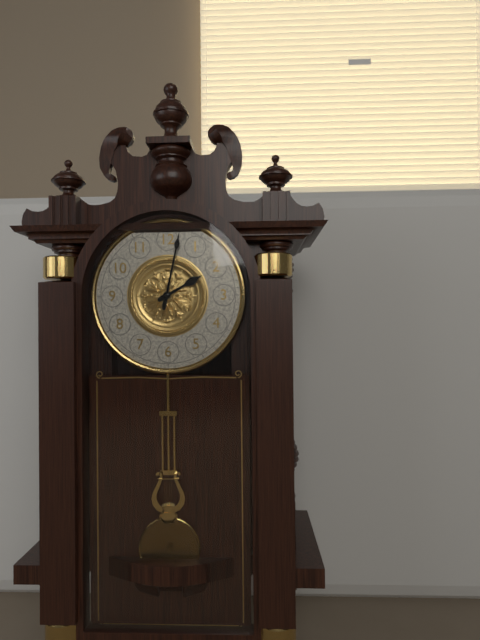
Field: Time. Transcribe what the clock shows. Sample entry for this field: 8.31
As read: 2.02
